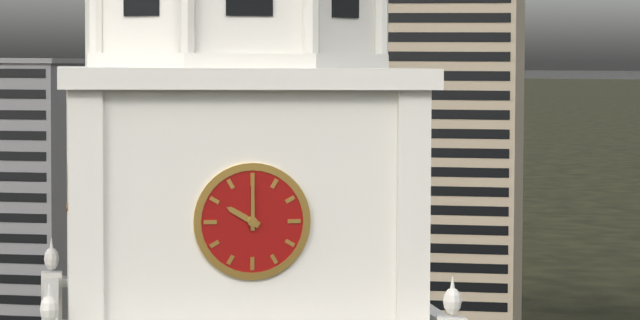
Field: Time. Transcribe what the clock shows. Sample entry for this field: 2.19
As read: 10.00
